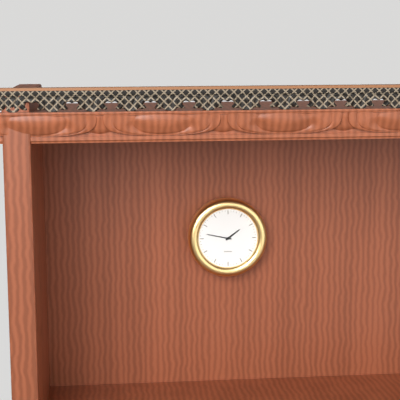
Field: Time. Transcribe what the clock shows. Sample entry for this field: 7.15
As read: 1.47
